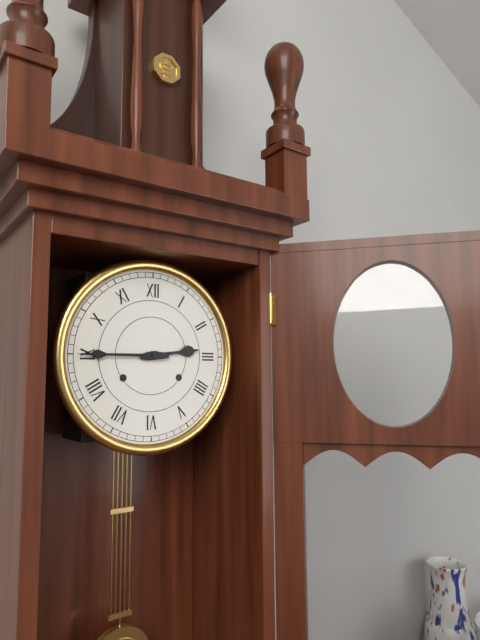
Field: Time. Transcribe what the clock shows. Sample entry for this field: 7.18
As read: 2.45
